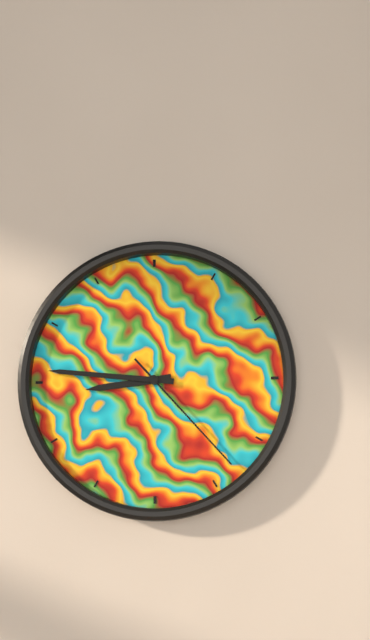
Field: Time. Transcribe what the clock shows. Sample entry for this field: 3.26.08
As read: 8.46.23
